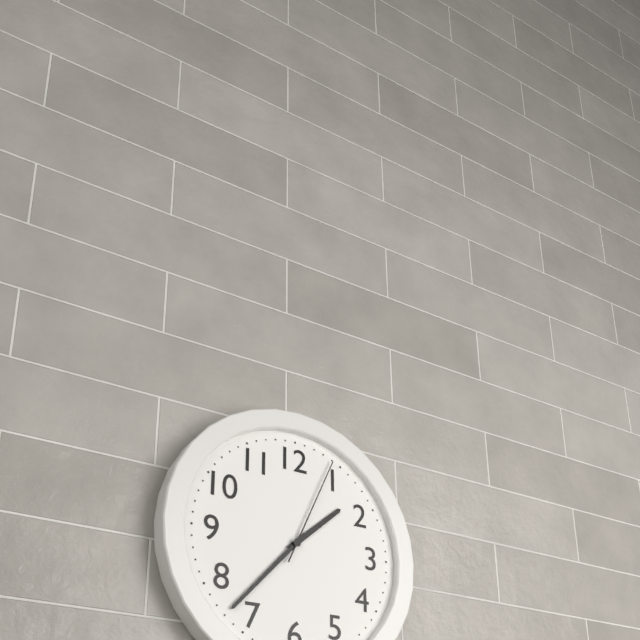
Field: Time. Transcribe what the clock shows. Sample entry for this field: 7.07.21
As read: 1.37.04
